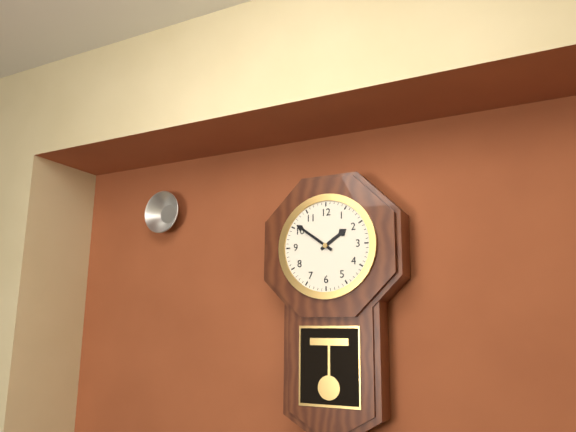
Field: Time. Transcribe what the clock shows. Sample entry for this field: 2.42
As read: 1.51
